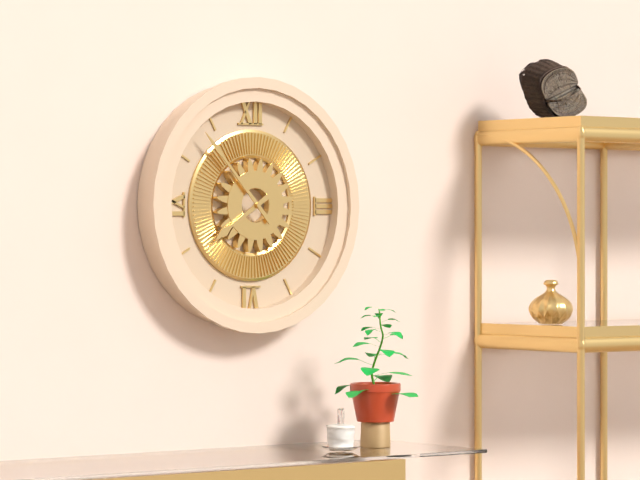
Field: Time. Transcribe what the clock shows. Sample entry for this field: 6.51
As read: 7.53
